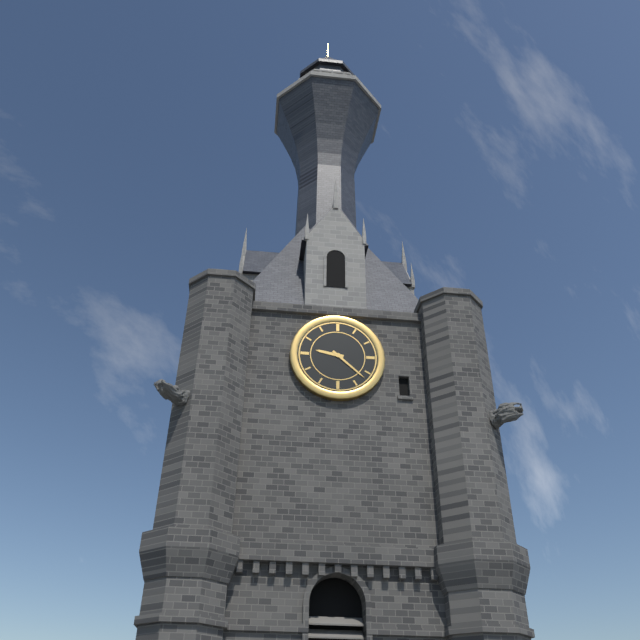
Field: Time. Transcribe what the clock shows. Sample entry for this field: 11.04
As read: 9.22
